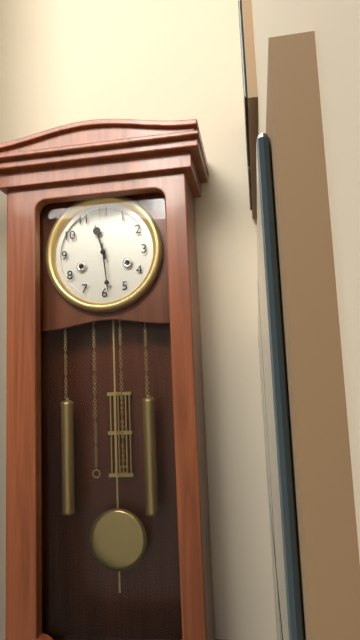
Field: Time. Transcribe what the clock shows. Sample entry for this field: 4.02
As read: 11.29
